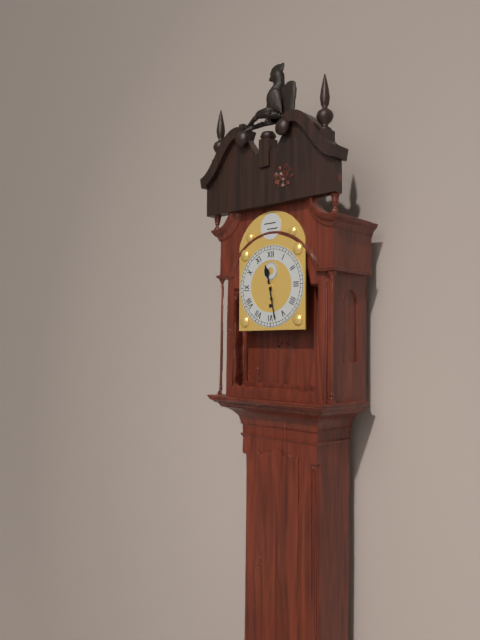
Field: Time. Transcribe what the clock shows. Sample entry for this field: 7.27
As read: 11.28
